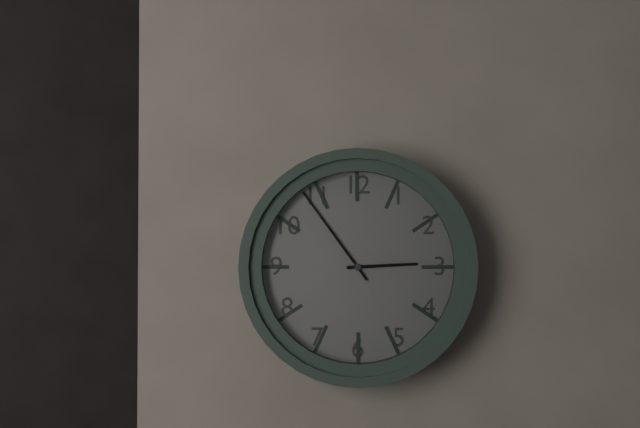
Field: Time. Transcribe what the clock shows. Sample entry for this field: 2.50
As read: 2.54
